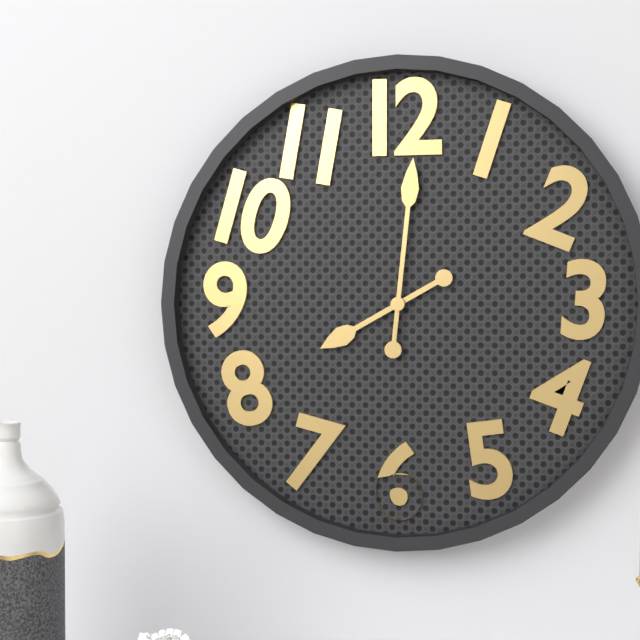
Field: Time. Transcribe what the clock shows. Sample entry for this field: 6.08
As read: 8.01
